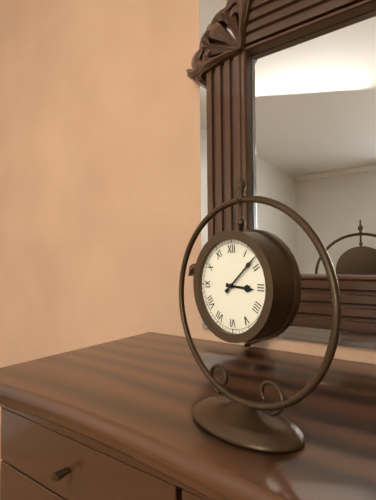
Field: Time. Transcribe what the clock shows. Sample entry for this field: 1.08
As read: 3.08
